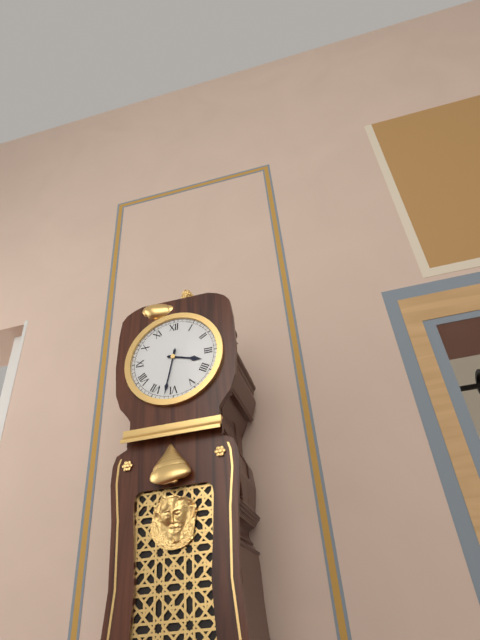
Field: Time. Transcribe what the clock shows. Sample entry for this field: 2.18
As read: 3.32
